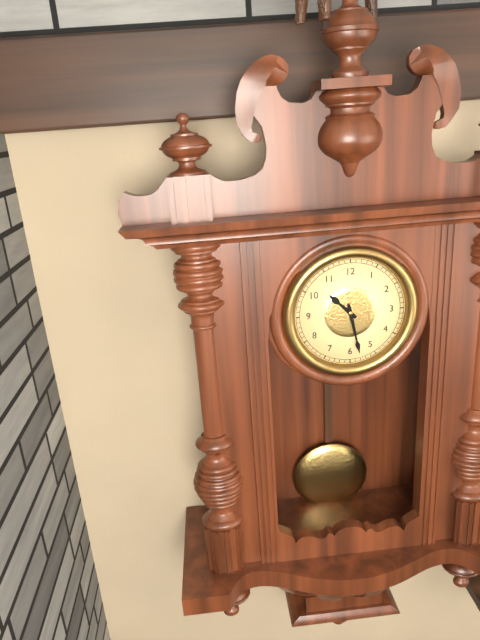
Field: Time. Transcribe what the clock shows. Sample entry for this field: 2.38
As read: 10.28
